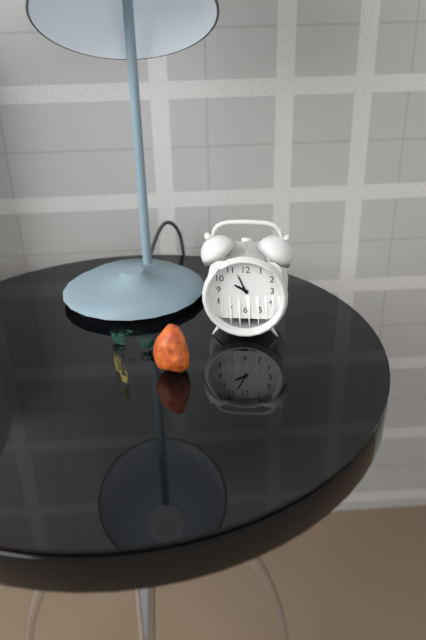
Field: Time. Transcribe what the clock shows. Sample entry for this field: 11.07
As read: 9.56
